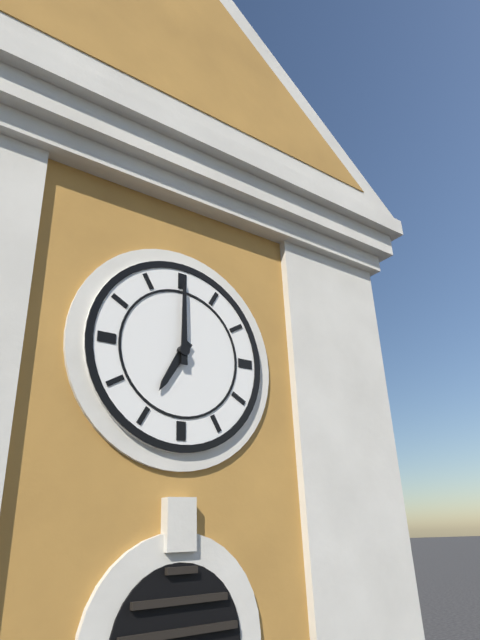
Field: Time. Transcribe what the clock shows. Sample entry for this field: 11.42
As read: 7.00
